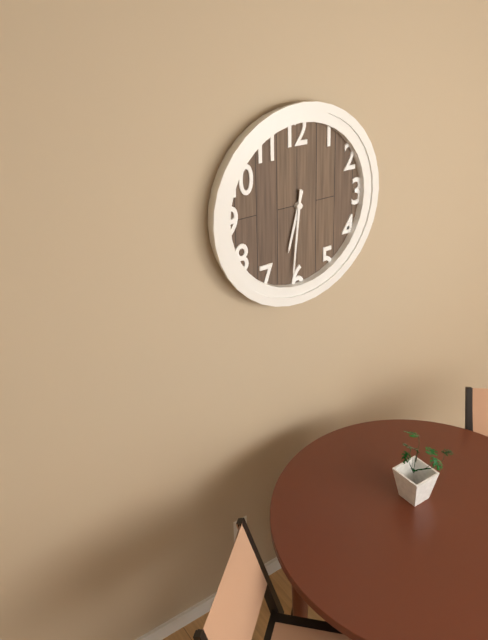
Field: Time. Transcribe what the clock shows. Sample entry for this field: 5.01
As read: 6.31
